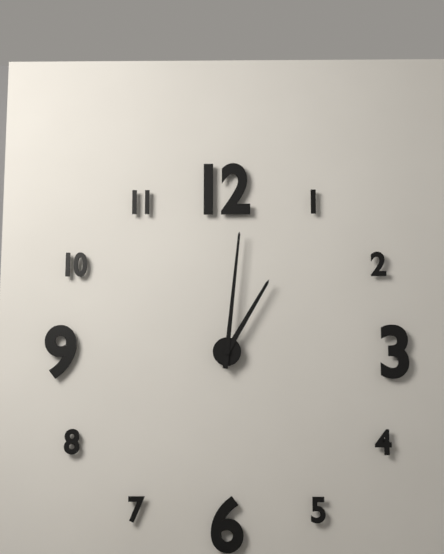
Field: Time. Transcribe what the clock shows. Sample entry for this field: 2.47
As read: 1.01
